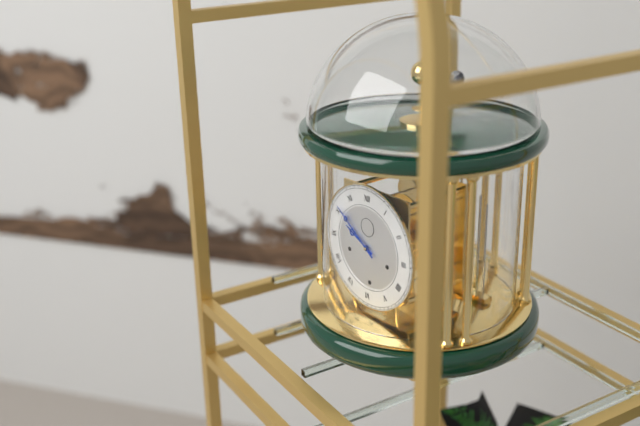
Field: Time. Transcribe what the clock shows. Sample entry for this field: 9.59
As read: 9.51
